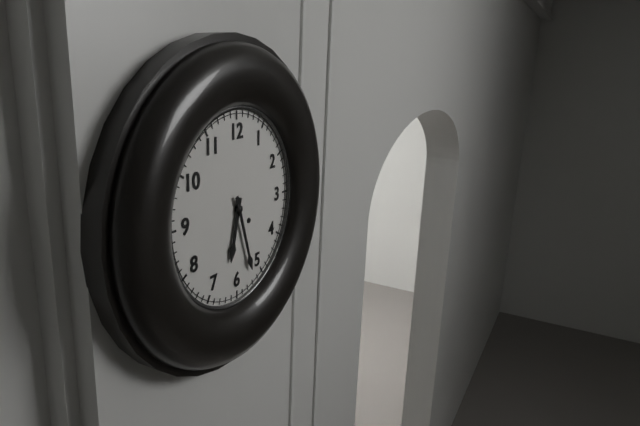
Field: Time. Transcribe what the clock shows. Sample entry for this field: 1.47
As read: 6.27
